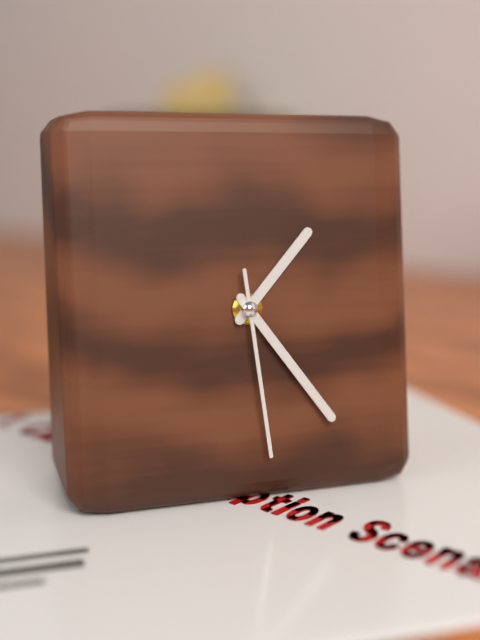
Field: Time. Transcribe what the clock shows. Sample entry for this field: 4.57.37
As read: 1.24.29
